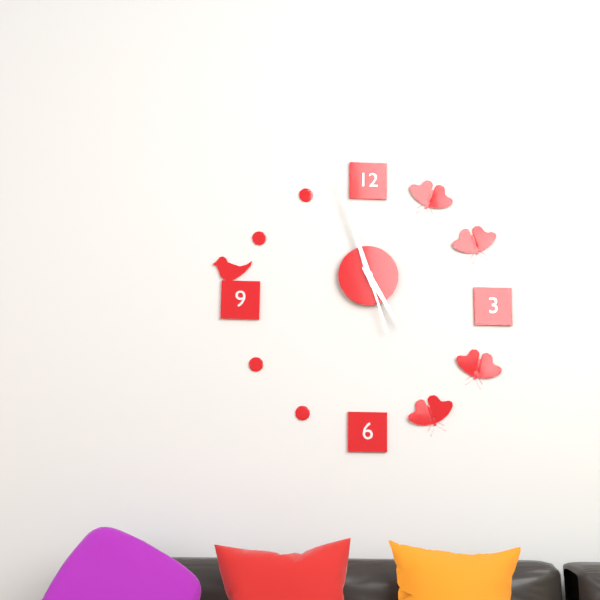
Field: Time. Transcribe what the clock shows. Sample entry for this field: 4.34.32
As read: 4.57.57
